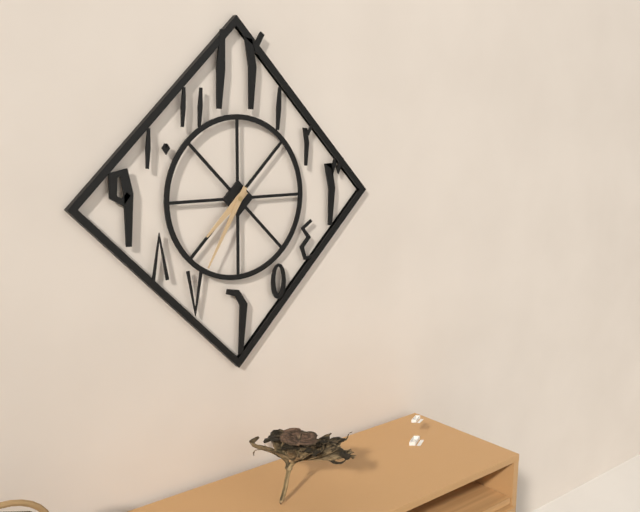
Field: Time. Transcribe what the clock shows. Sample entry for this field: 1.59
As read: 7.35
